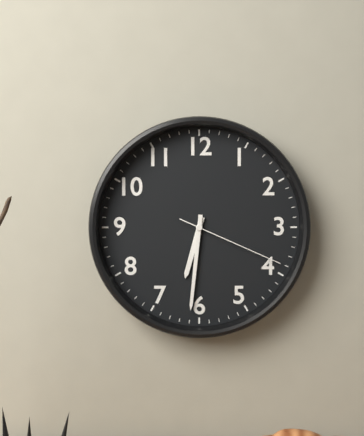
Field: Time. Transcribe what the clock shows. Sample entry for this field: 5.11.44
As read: 6.31.19
